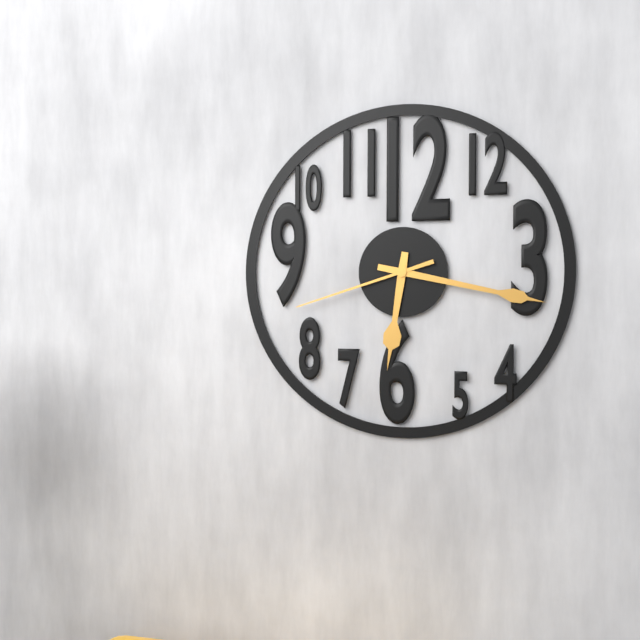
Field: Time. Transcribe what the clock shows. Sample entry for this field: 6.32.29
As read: 6.17.42
